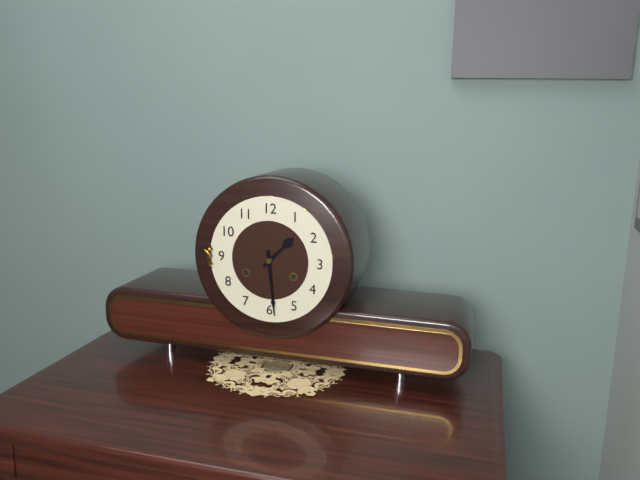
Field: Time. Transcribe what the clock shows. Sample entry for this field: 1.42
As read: 1.29
